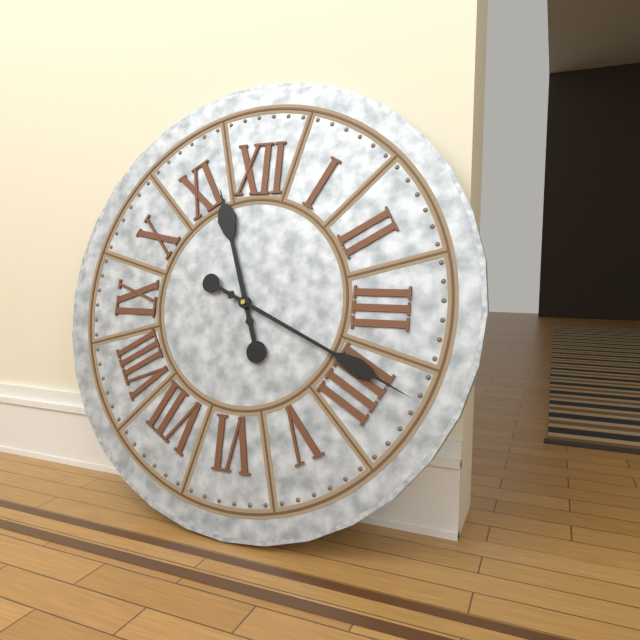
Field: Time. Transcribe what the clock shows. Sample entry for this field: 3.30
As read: 11.19
